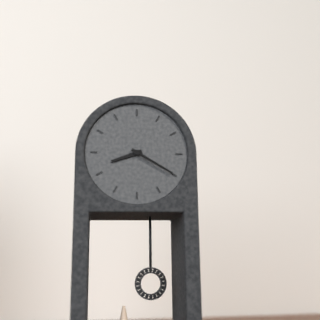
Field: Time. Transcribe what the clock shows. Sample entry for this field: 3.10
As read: 8.20
